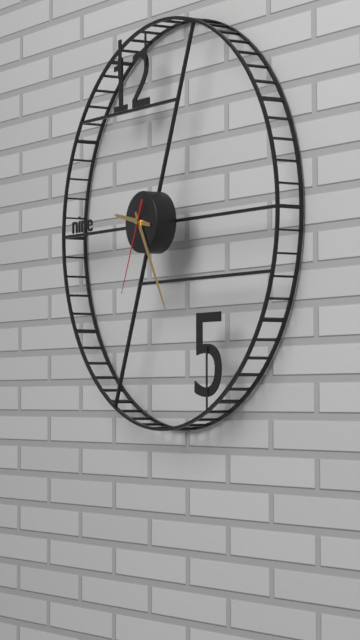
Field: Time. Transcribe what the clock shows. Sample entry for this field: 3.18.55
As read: 9.25.34
